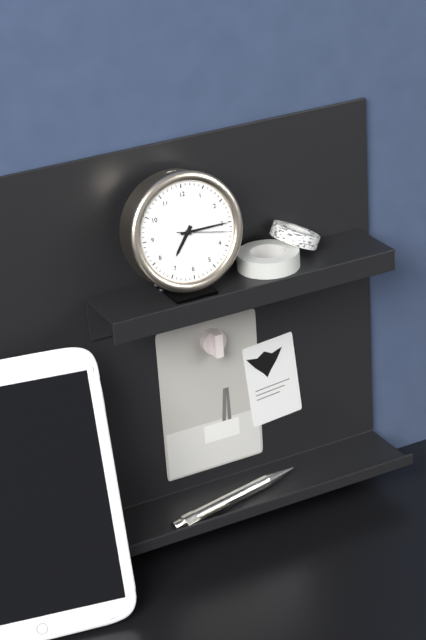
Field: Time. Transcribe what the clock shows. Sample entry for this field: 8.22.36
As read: 7.15.17
